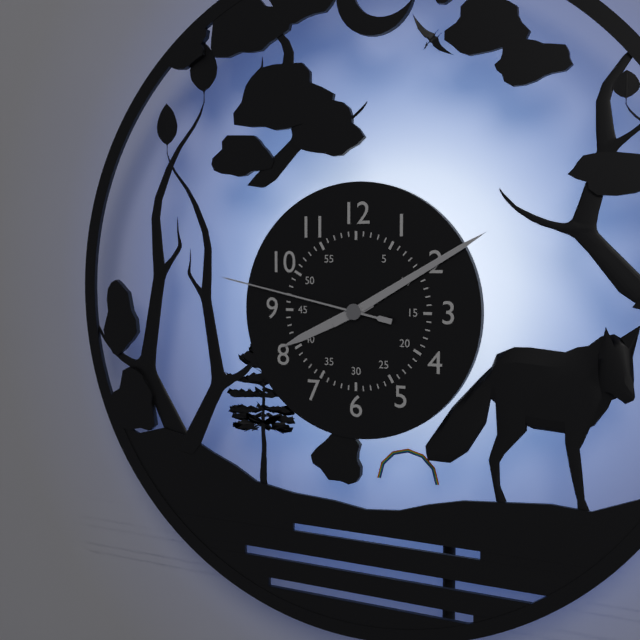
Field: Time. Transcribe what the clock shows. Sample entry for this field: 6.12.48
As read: 8.10.47
